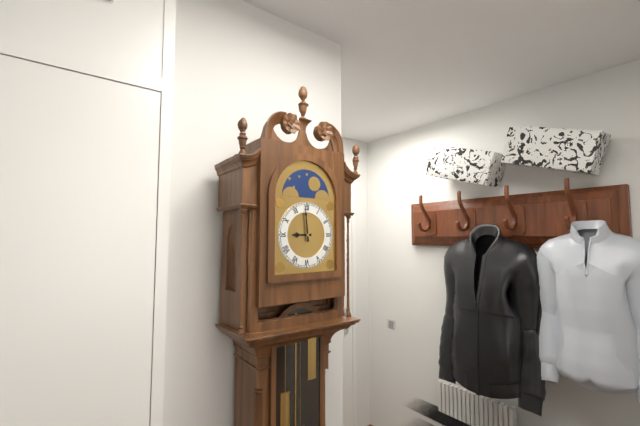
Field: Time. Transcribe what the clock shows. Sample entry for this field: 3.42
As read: 8.59
